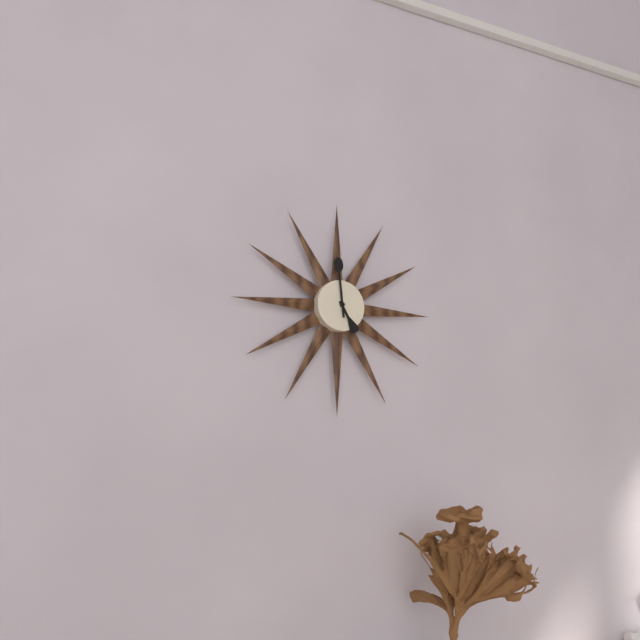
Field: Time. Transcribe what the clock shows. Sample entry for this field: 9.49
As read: 4.59
